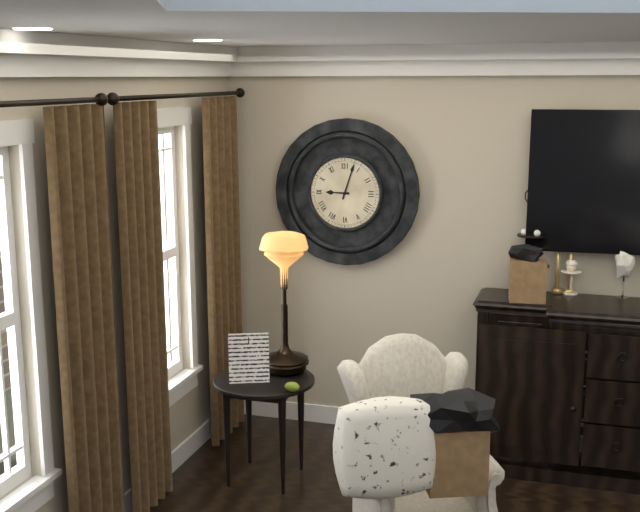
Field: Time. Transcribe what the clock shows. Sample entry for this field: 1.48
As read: 9.03
